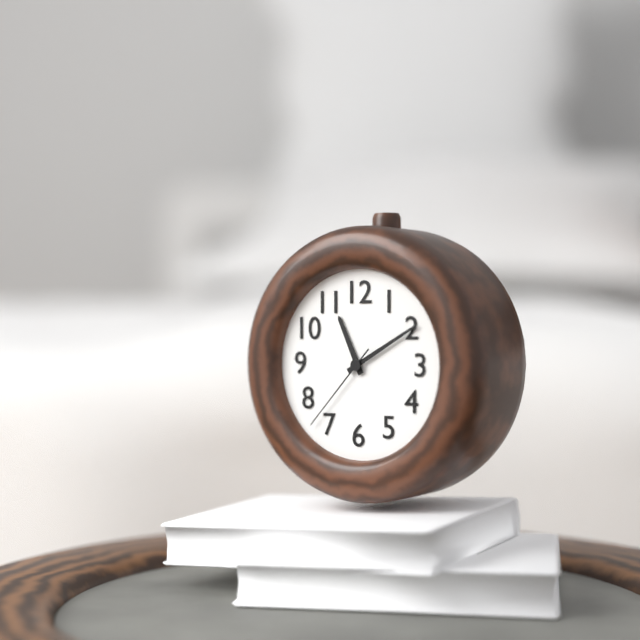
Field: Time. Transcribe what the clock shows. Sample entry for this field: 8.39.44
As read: 11.10.37
